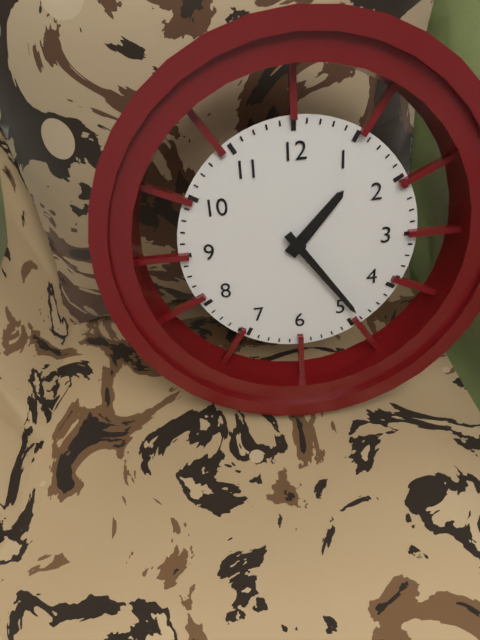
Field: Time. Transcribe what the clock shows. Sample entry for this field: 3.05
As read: 1.24
